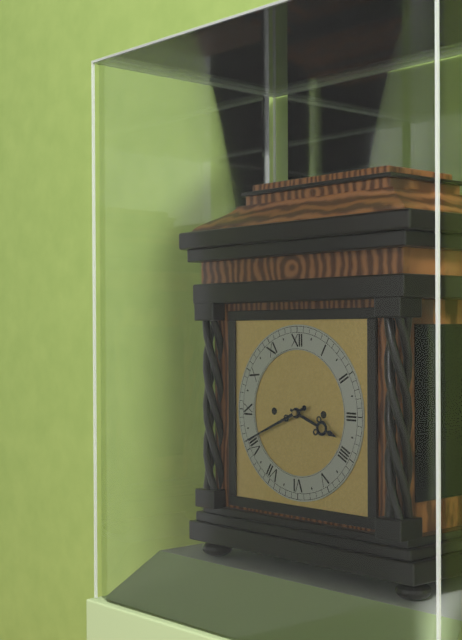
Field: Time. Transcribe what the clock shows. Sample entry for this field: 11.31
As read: 3.41
